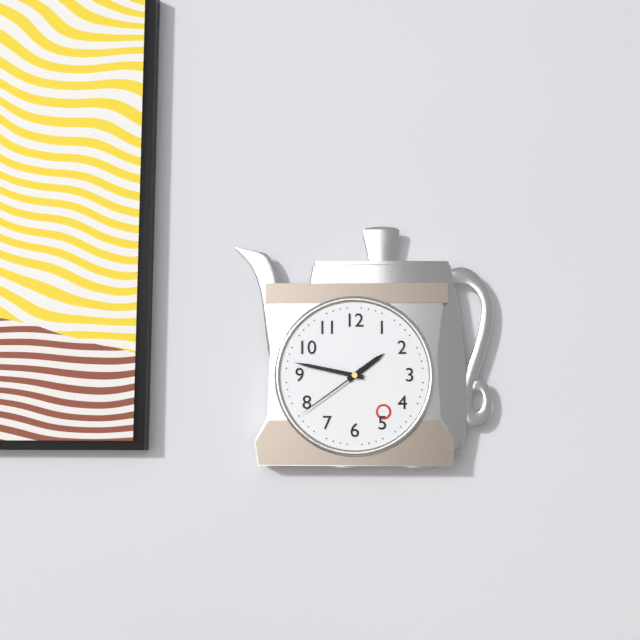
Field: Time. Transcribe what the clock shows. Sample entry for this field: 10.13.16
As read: 1.47.39
